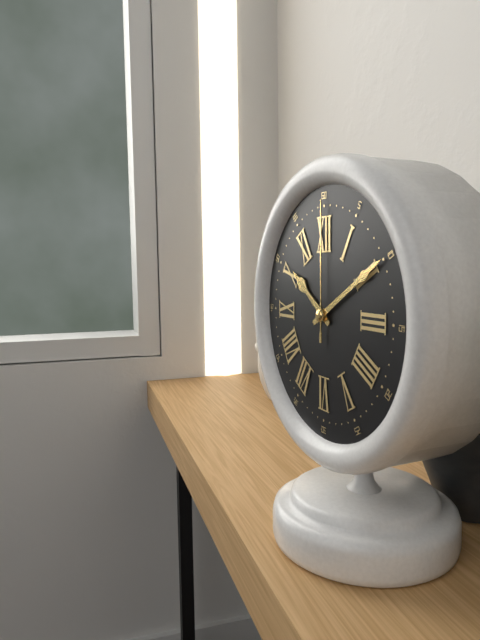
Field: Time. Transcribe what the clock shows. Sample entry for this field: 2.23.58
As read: 10.10.00
